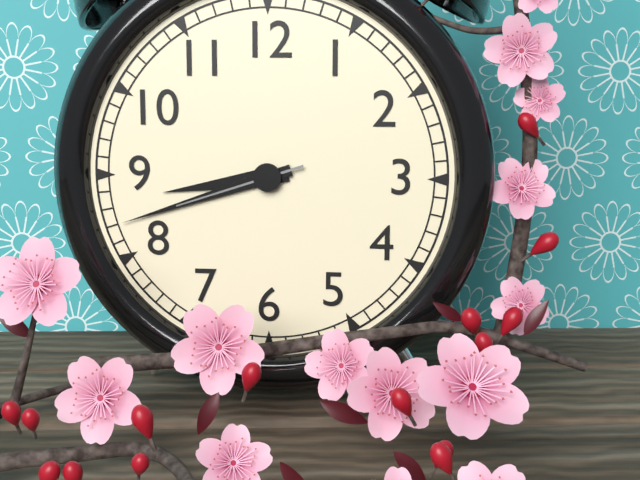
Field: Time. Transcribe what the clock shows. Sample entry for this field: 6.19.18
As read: 8.42.42
